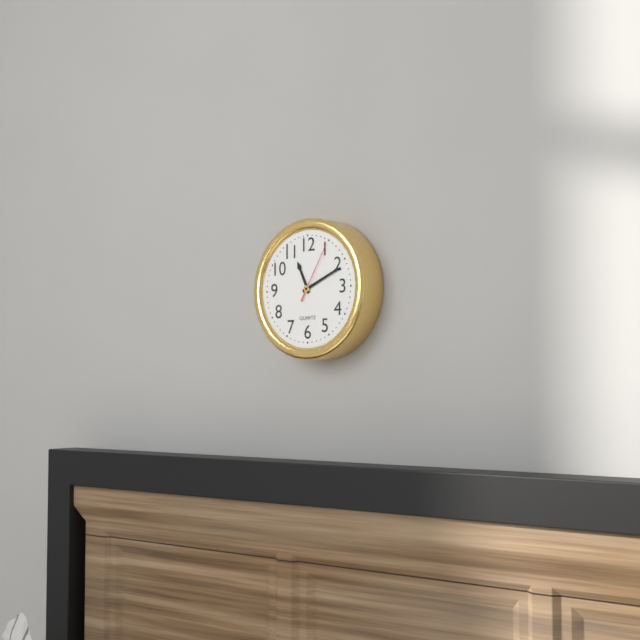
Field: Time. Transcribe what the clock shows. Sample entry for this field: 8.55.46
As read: 11.11.05
